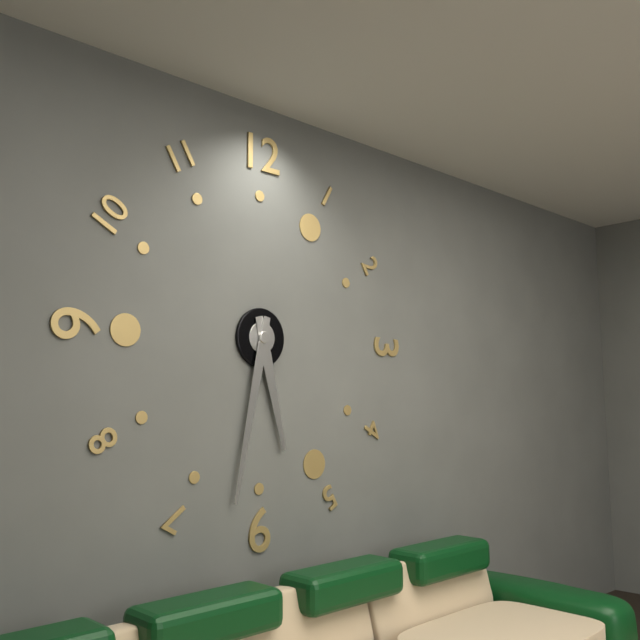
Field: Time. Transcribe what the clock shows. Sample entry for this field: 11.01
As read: 5.32
